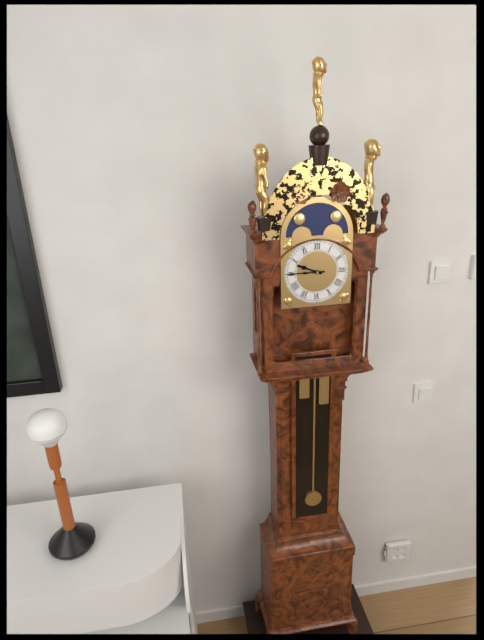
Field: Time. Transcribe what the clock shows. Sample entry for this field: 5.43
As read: 9.45
